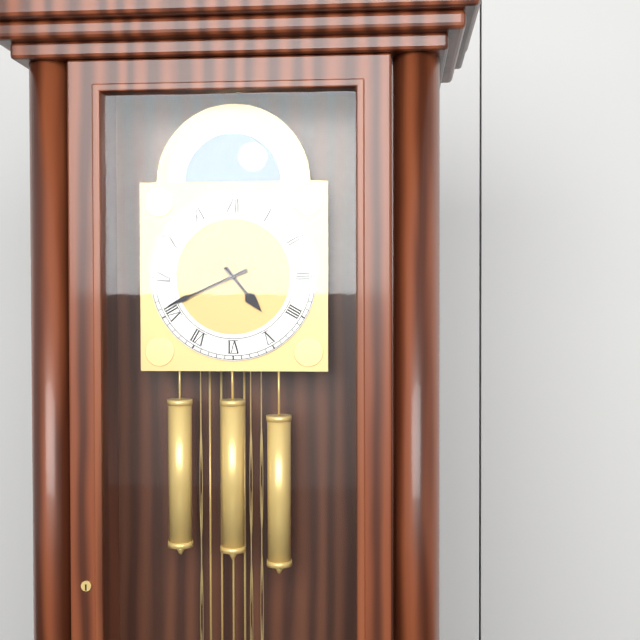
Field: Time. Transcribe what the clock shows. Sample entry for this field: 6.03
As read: 4.41
